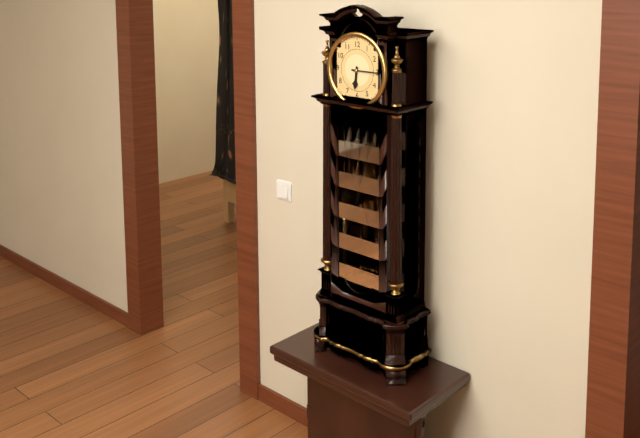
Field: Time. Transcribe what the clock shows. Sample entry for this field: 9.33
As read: 6.15
